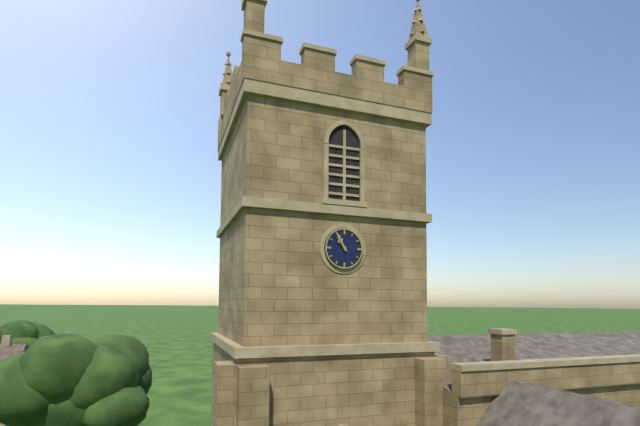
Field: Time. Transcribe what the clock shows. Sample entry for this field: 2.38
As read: 10.55
